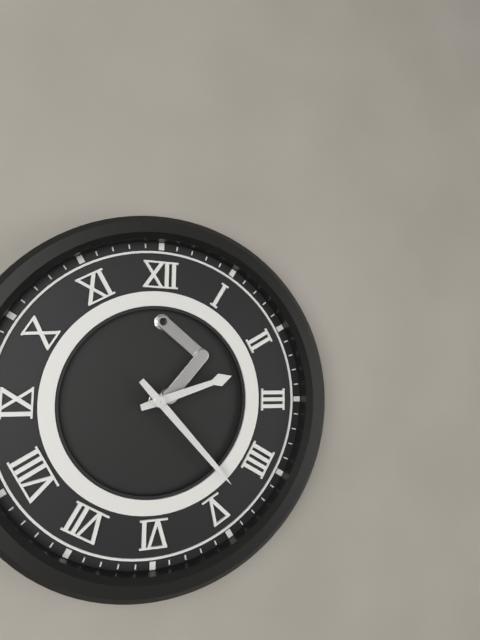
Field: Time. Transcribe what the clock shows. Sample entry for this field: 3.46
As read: 2.23
